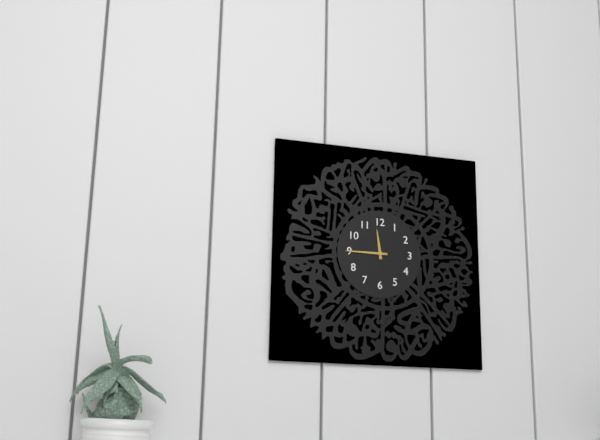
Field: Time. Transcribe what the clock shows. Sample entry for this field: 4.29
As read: 11.45
